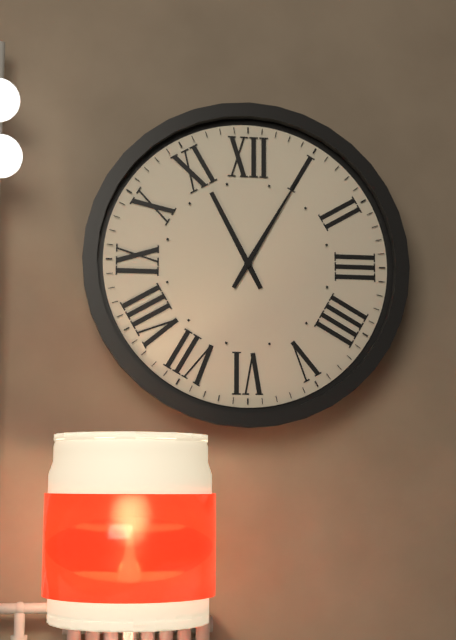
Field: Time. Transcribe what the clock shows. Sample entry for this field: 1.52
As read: 11.05
